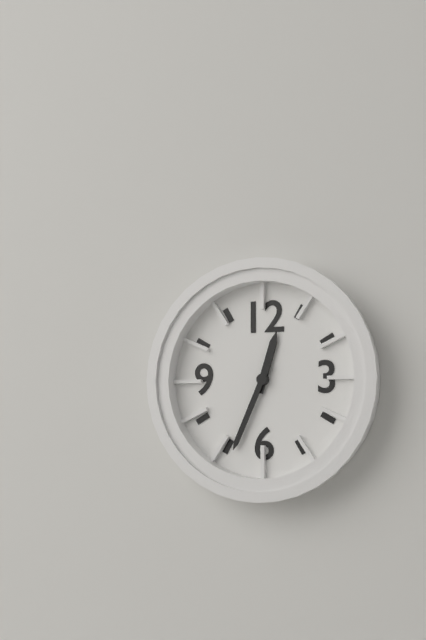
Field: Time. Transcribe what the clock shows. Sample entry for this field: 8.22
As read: 12.34
